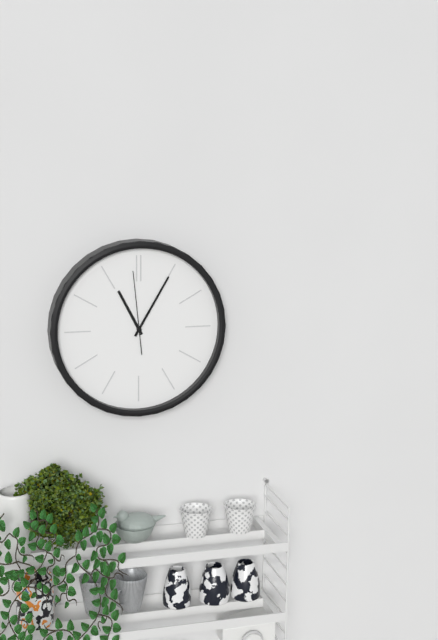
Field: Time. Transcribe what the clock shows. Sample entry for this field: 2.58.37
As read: 11.05.59
